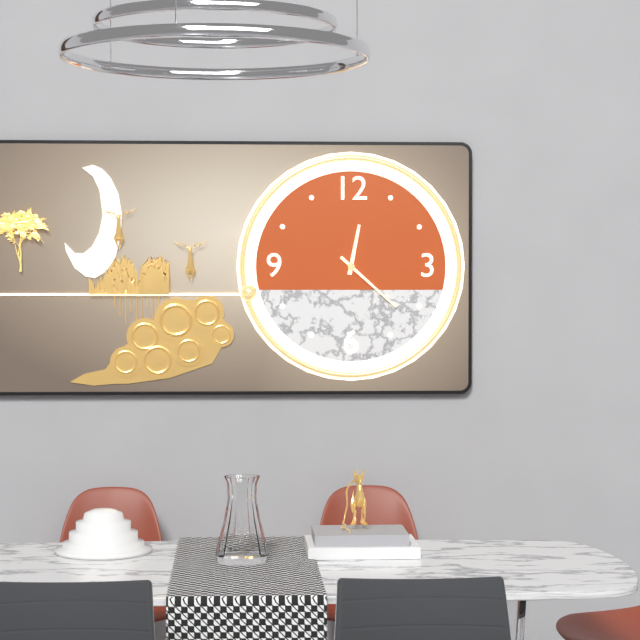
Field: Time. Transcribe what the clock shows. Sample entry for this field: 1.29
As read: 12.22
